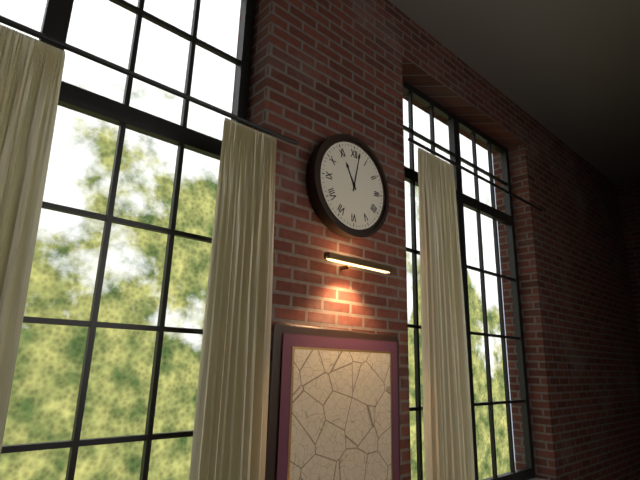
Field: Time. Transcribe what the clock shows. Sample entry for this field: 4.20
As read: 11.02
